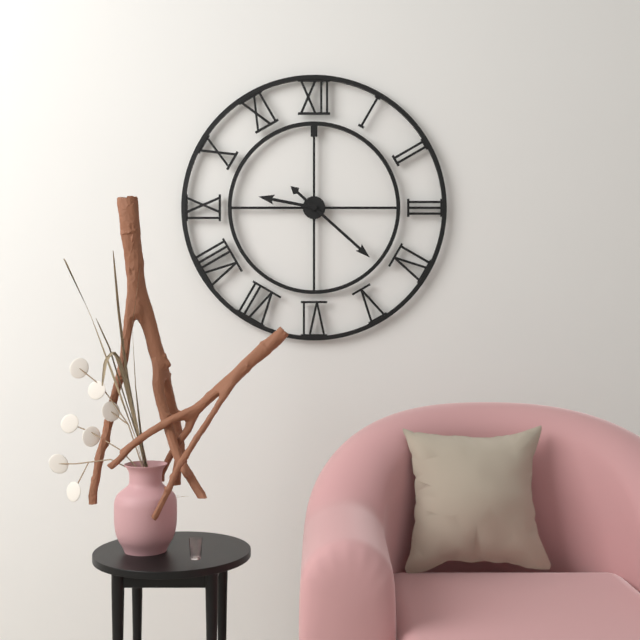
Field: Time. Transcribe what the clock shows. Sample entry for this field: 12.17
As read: 9.22
